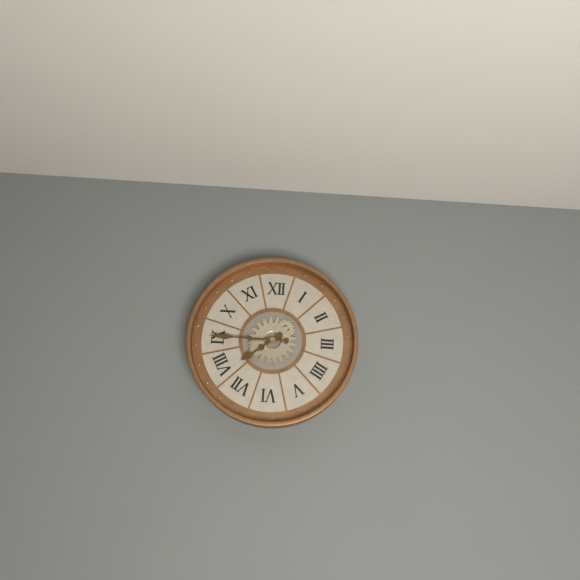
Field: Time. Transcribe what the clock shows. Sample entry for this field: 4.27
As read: 7.45
